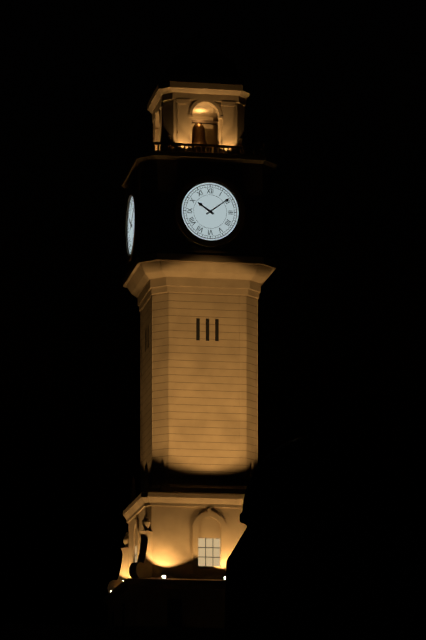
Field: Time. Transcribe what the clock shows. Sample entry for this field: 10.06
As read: 10.09
